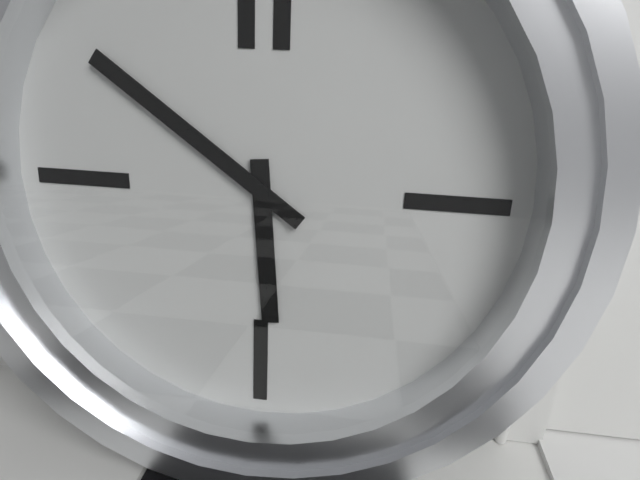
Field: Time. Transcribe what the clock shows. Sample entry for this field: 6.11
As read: 5.51
